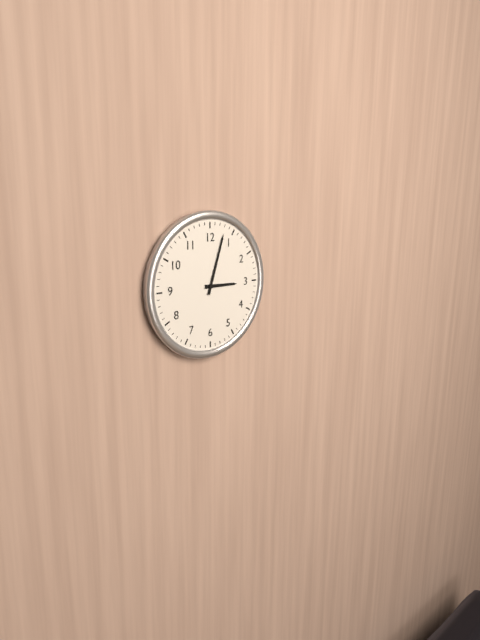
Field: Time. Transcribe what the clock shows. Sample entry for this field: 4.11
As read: 3.03
